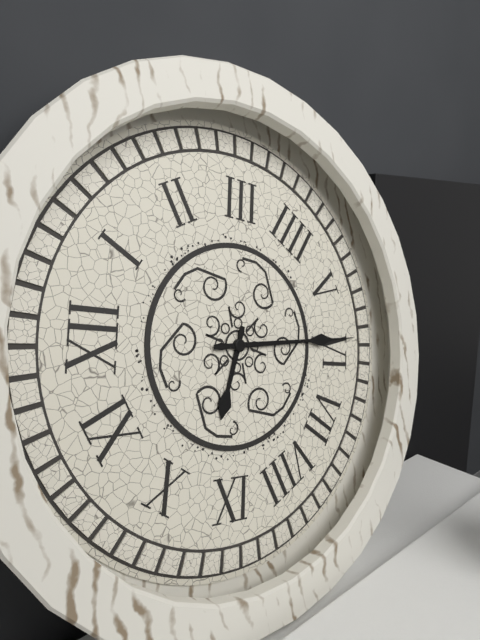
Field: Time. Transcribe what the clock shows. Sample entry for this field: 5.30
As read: 9.29
